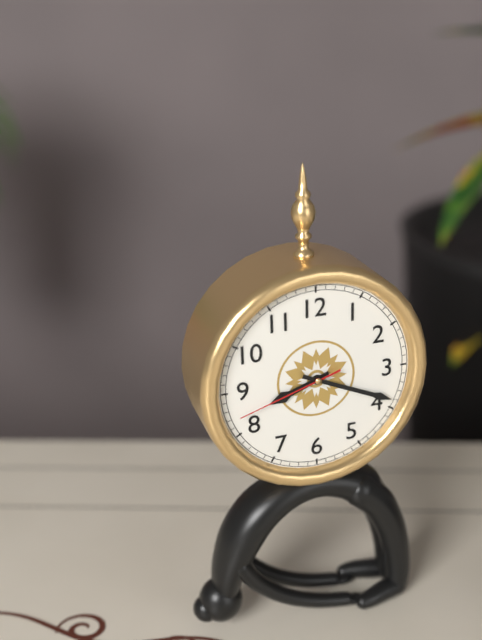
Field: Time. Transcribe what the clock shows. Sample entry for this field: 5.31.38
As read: 8.19.42
